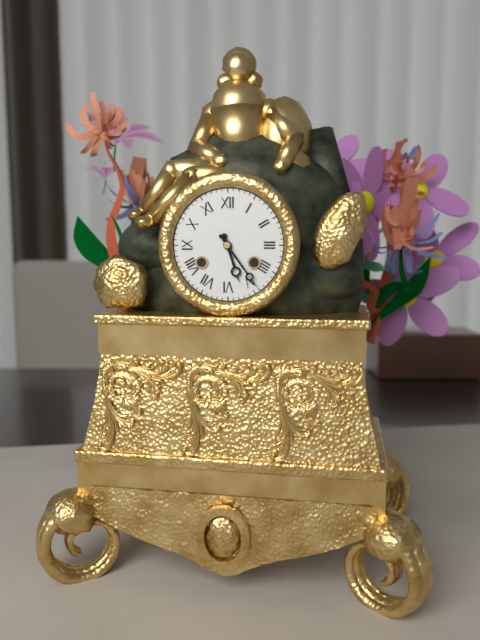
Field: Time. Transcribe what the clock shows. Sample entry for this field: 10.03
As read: 5.24
